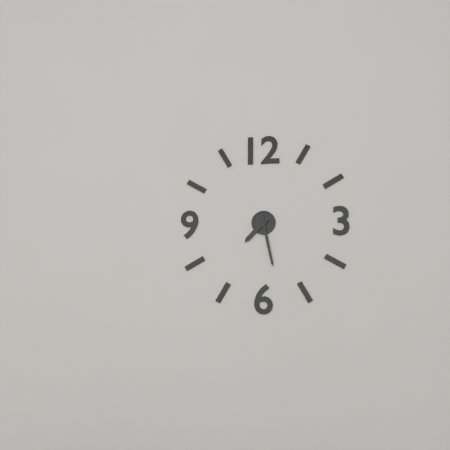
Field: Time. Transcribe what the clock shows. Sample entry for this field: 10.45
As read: 7.28
